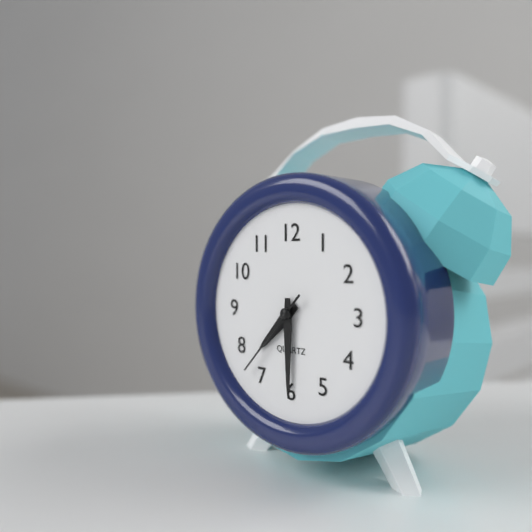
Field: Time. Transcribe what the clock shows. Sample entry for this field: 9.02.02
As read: 7.30.37
